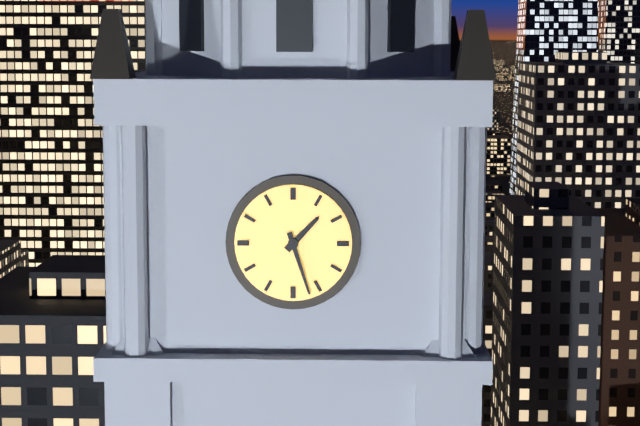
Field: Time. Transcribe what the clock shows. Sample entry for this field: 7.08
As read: 1.27
